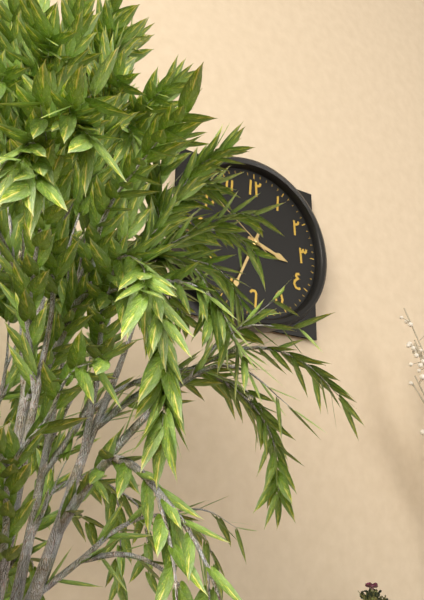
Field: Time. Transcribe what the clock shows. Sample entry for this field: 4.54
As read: 3.34
